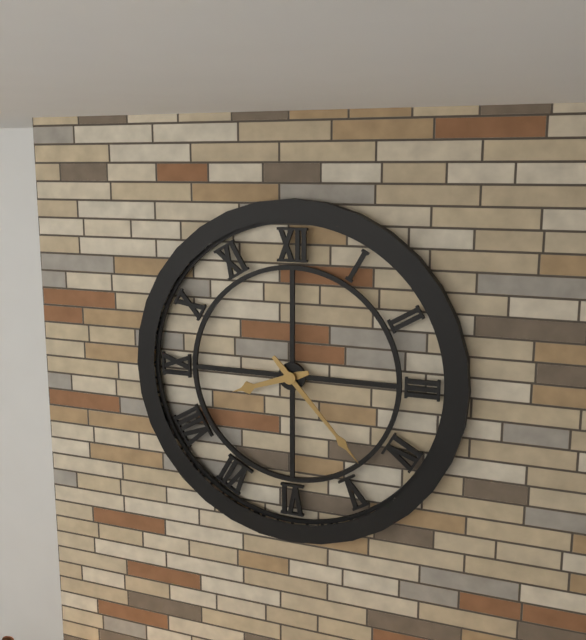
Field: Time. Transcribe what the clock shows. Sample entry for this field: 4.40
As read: 8.23
